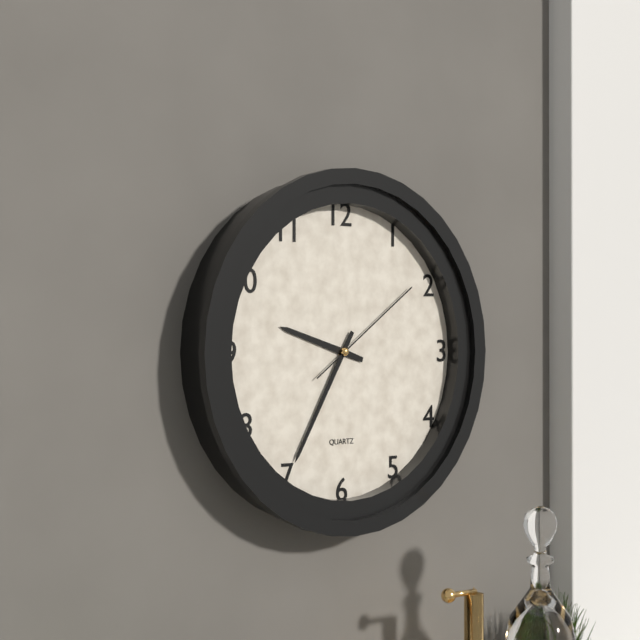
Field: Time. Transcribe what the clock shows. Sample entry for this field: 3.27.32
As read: 9.35.09
